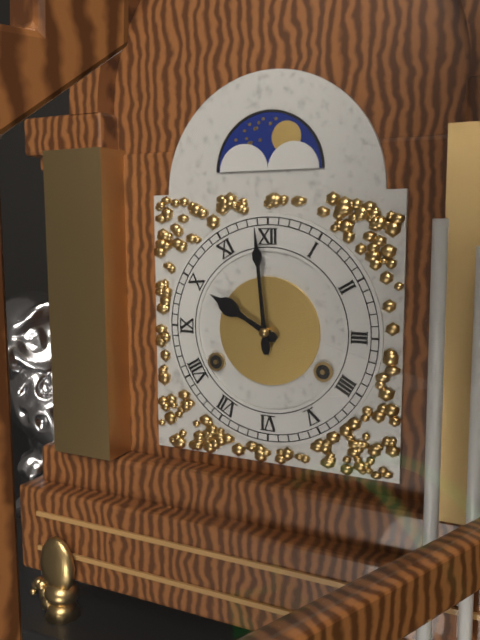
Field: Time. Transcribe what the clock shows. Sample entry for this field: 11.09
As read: 9.59
